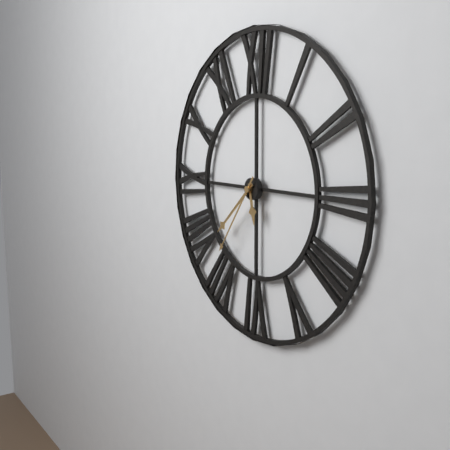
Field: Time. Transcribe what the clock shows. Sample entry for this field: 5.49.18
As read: 5.38.36
